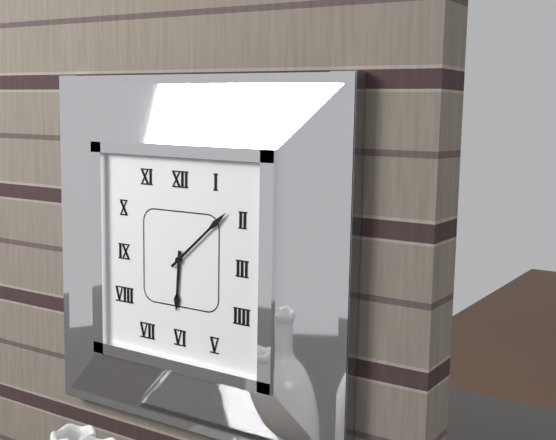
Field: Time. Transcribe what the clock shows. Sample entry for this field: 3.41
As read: 6.08
